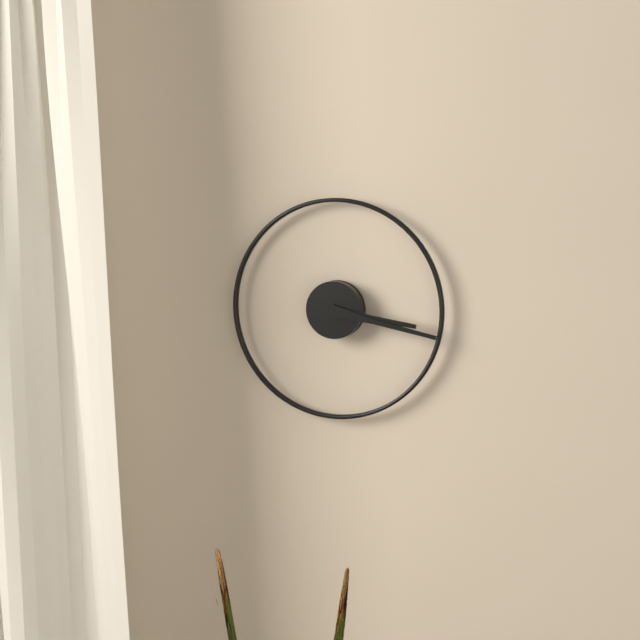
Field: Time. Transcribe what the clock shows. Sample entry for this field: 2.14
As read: 3.17
